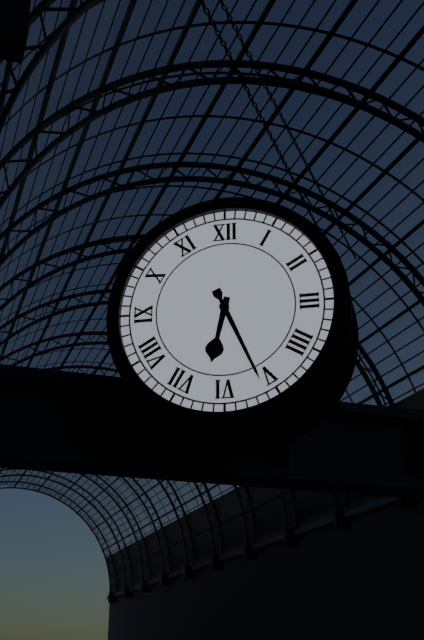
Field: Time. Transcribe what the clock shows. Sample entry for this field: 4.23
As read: 6.26
